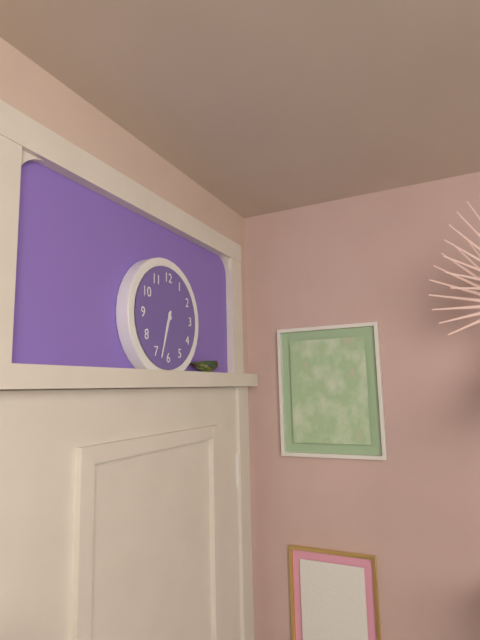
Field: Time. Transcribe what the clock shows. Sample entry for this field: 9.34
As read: 6.33
